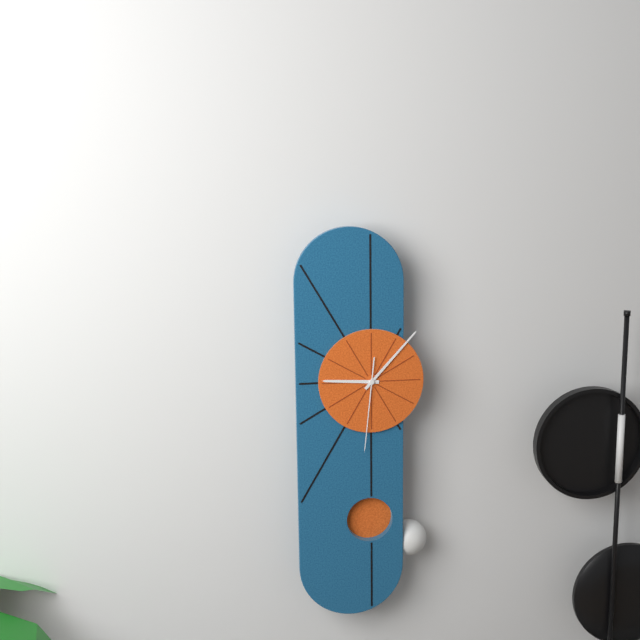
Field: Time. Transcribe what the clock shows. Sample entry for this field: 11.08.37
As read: 9.07.31
